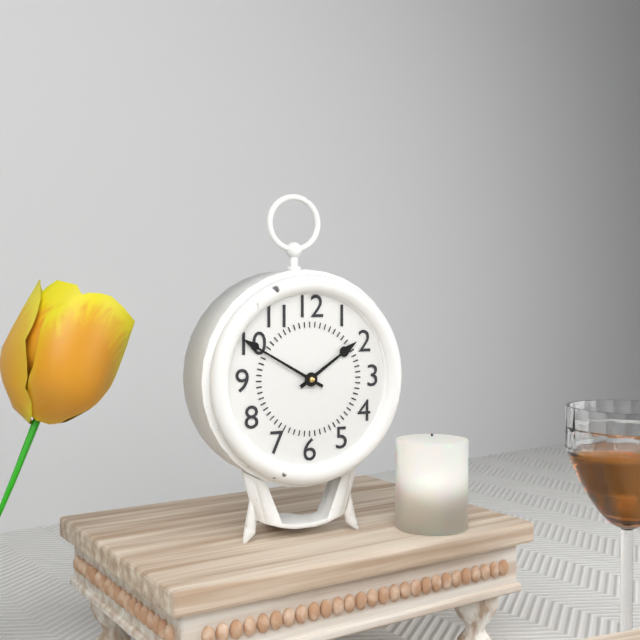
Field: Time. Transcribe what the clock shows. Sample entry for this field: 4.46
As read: 1.50
